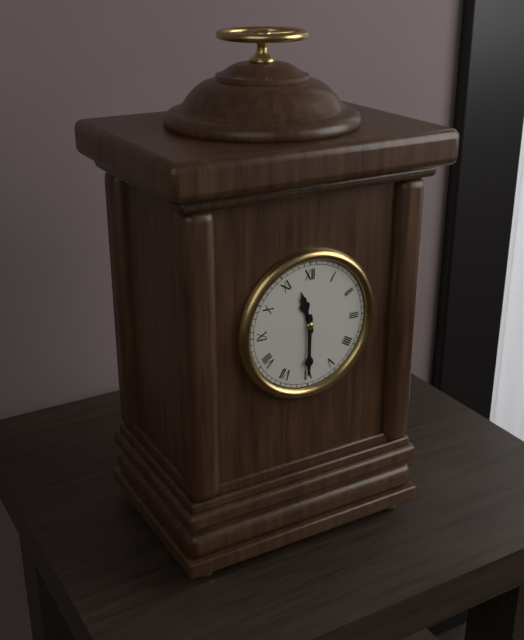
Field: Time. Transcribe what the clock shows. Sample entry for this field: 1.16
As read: 11.30
